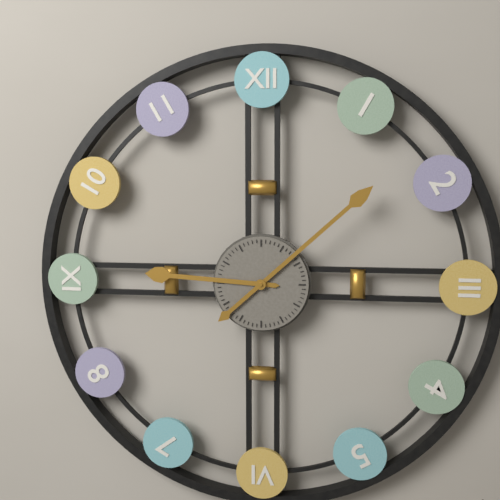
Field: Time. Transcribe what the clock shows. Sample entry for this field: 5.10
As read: 9.08
